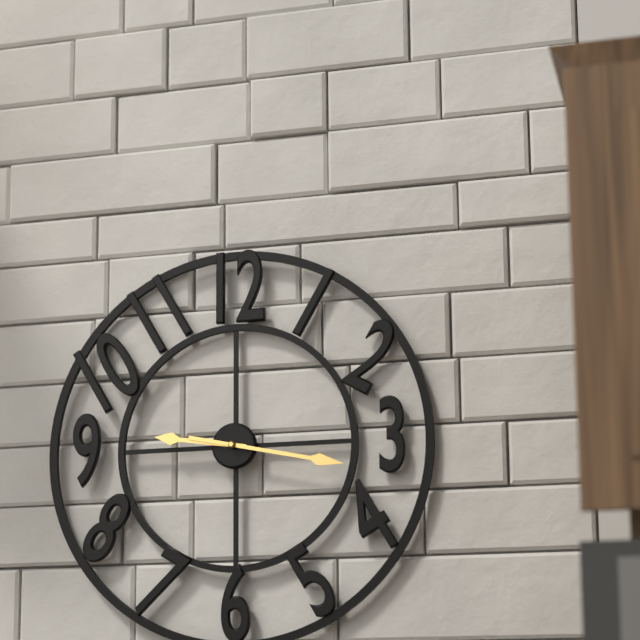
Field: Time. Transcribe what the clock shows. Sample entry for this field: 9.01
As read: 9.17
